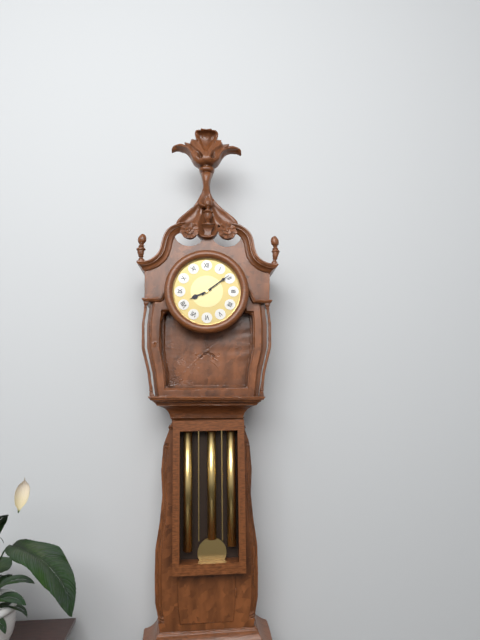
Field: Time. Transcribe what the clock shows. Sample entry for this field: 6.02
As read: 8.09
